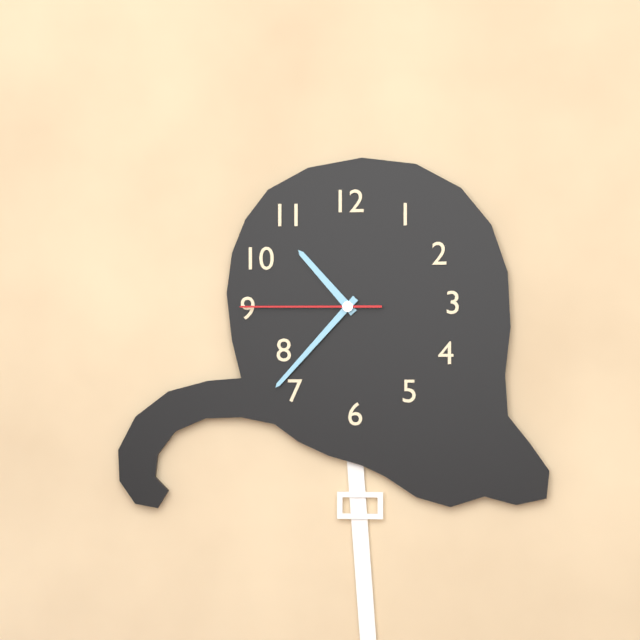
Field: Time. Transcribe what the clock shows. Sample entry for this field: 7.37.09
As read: 10.37.45
